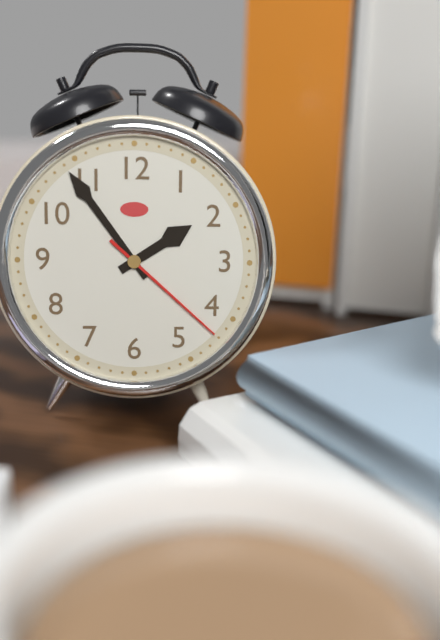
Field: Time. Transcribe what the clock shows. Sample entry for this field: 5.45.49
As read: 1.54.22
